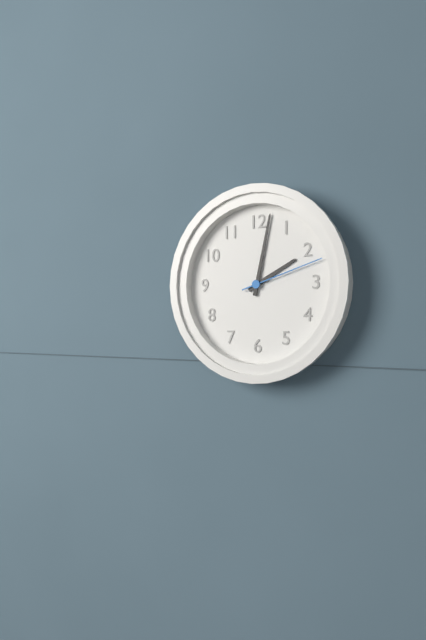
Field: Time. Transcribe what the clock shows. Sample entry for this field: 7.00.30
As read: 2.02.12
